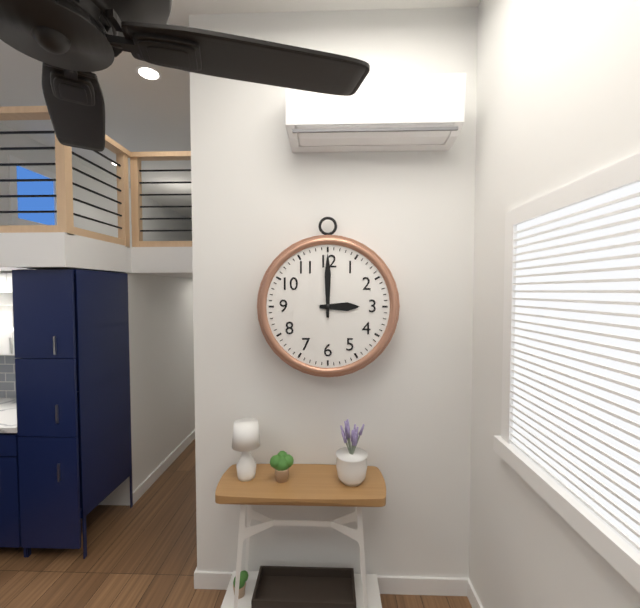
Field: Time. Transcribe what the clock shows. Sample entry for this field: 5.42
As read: 3.00
